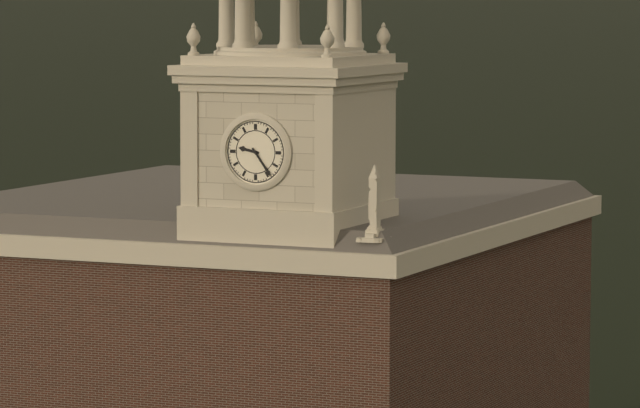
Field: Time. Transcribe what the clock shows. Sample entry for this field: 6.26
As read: 9.24
